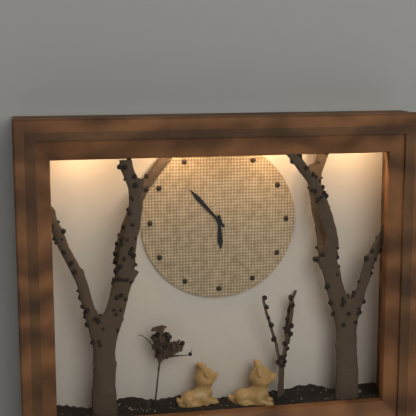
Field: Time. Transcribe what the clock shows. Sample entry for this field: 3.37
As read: 5.53
